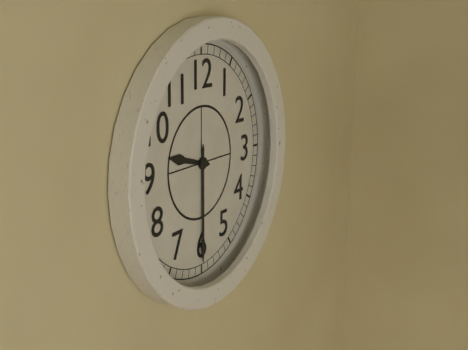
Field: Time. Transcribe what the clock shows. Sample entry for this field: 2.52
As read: 9.30
